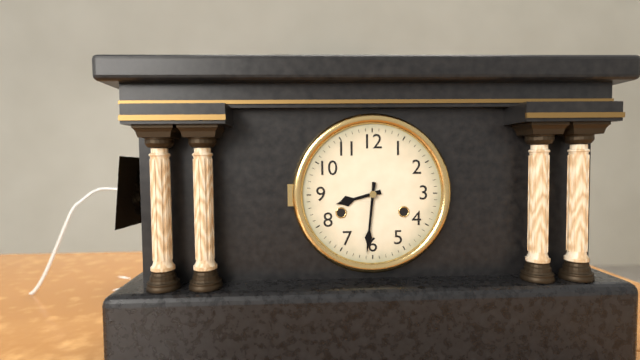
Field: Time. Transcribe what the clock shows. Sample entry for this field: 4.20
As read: 8.31
